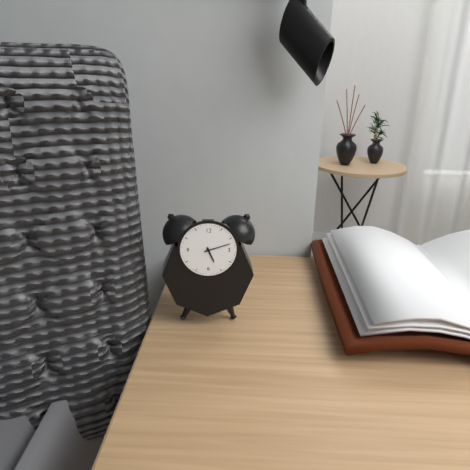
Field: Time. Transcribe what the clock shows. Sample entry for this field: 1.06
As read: 5.12
